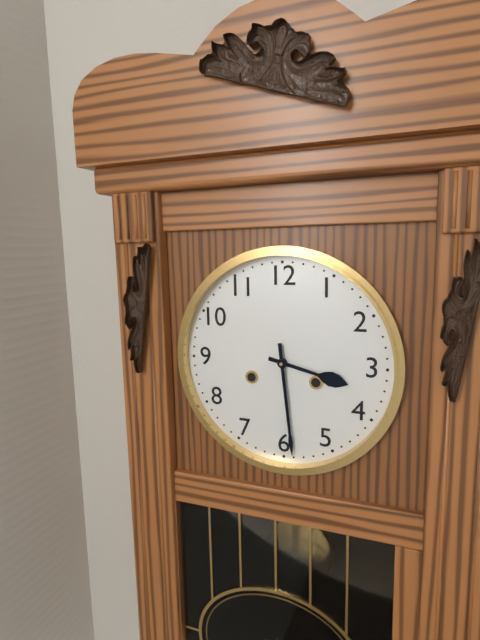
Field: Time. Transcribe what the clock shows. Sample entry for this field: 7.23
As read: 3.29
